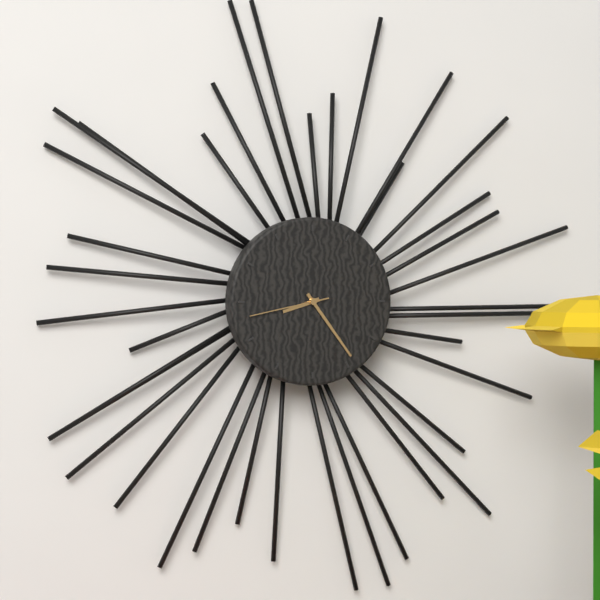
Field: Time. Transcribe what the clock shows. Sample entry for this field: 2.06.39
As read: 8.24.43
